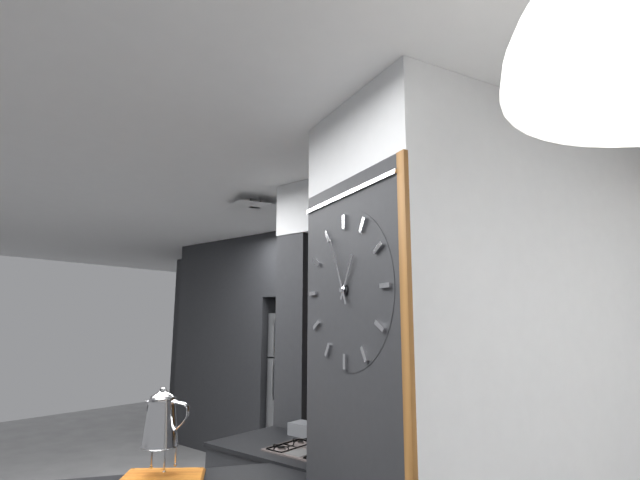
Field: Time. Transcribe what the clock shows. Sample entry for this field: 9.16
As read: 12.56
